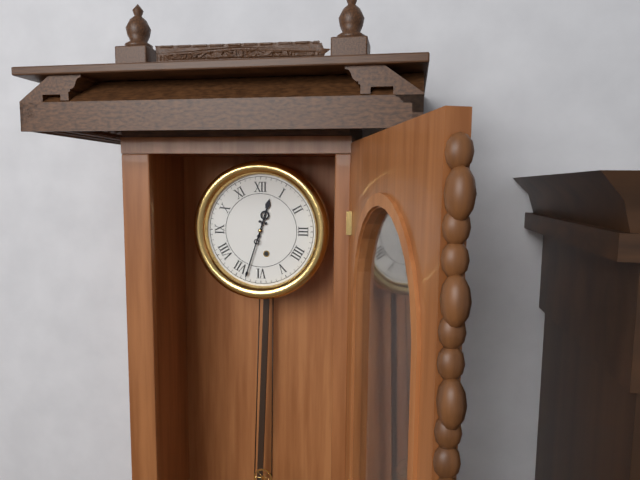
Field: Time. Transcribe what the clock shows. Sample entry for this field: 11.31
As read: 12.33
